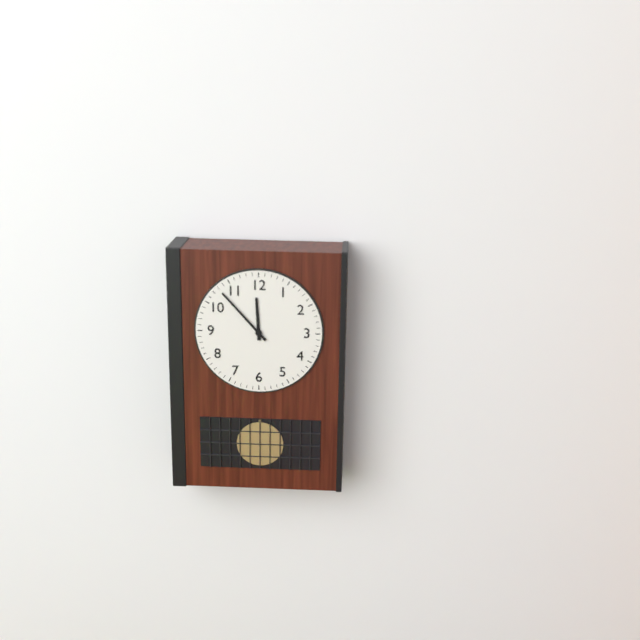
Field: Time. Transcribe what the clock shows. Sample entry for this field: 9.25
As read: 11.53
